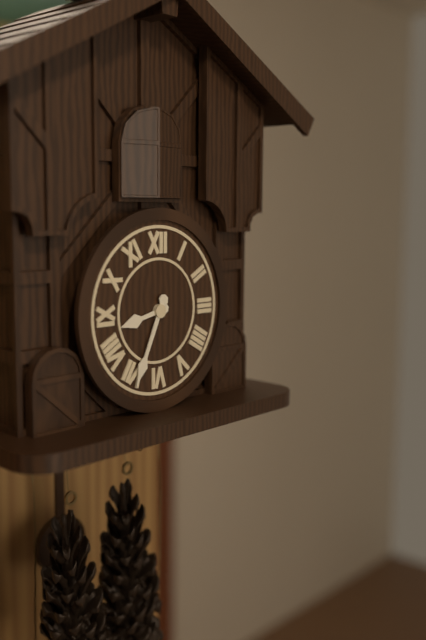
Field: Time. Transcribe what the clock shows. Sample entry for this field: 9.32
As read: 8.34
